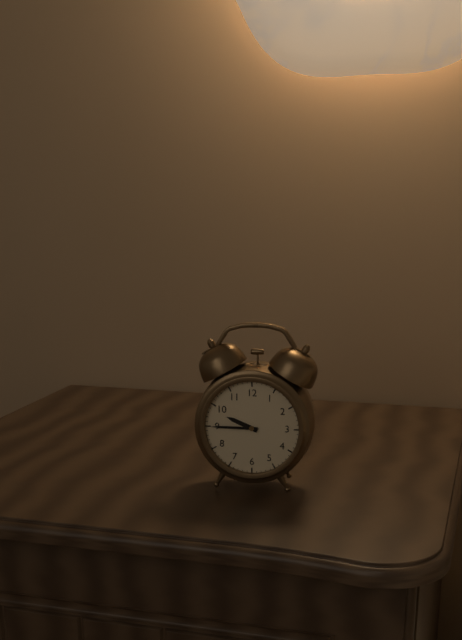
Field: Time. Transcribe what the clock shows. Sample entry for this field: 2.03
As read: 9.45
